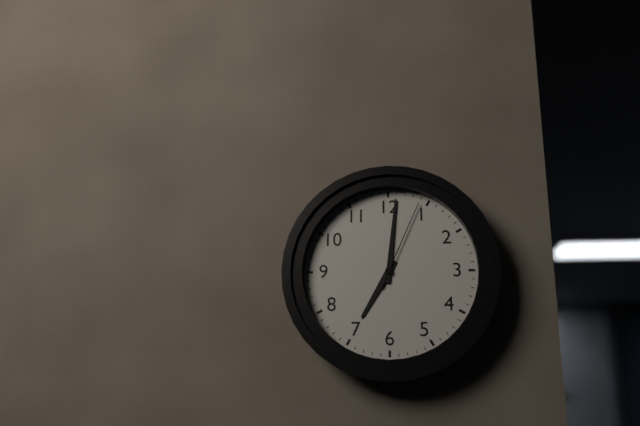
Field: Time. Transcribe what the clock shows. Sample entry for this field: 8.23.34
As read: 7.01.04
